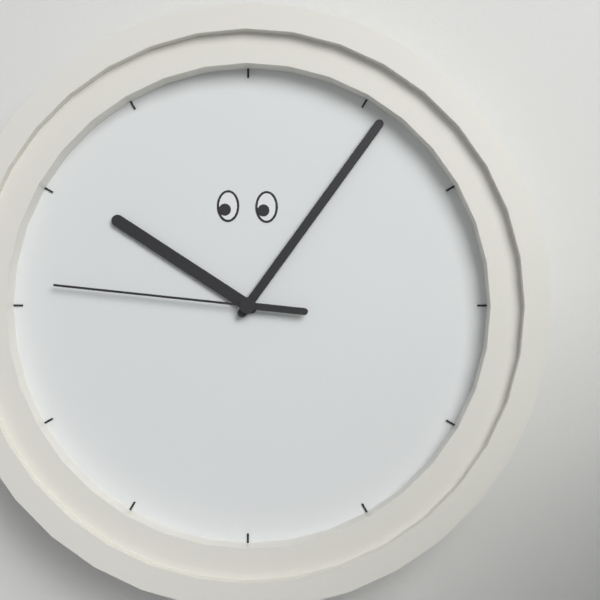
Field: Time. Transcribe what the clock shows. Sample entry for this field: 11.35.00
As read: 10.06.46
